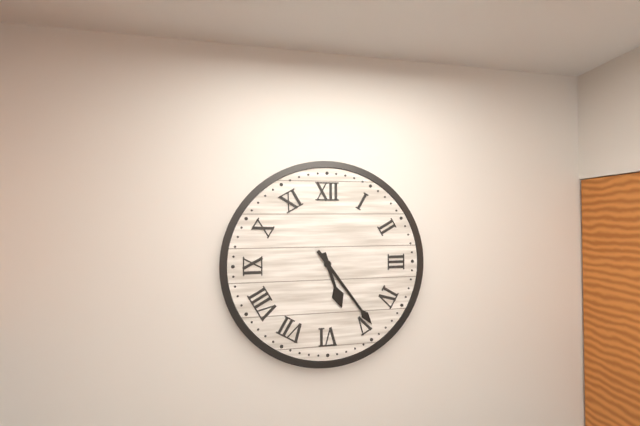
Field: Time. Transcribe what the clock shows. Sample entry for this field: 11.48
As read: 5.24
